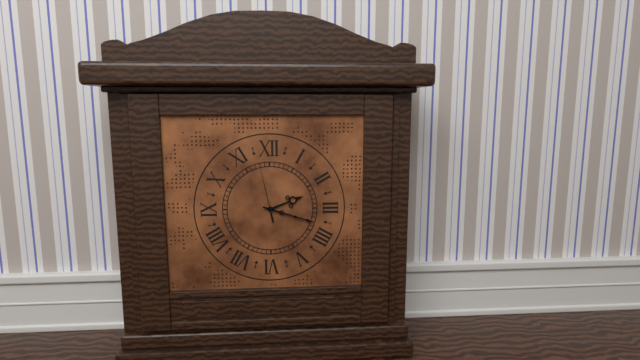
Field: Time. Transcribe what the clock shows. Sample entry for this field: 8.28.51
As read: 2.18.58
